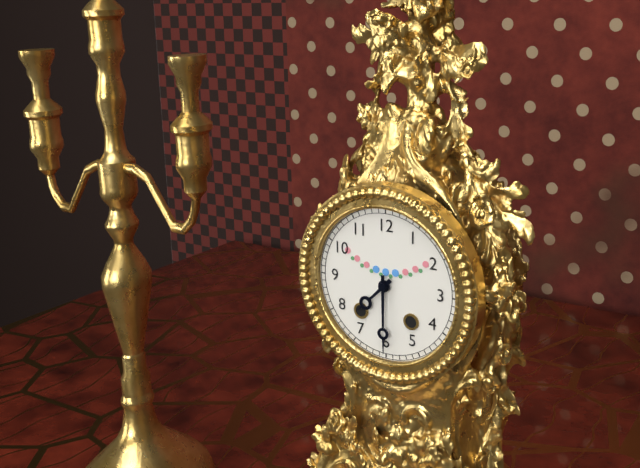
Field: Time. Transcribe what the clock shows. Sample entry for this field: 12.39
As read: 7.30
